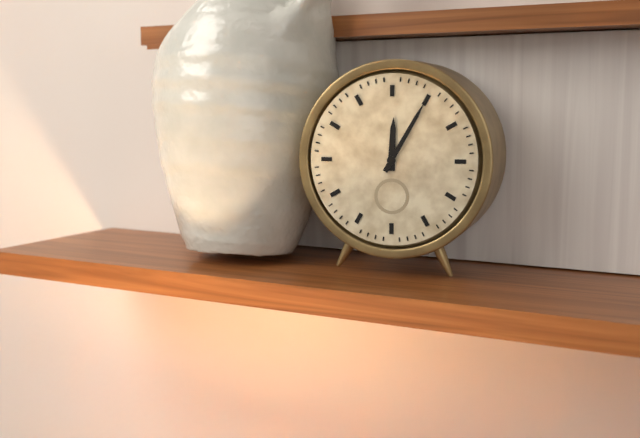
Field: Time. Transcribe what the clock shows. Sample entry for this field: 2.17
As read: 12.05
